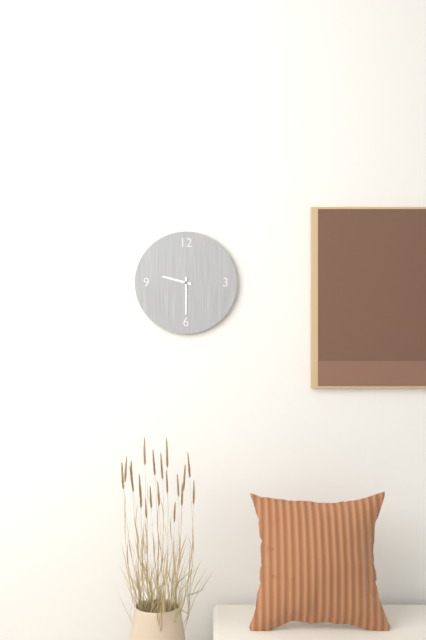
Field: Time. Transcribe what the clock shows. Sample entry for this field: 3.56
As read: 9.30
